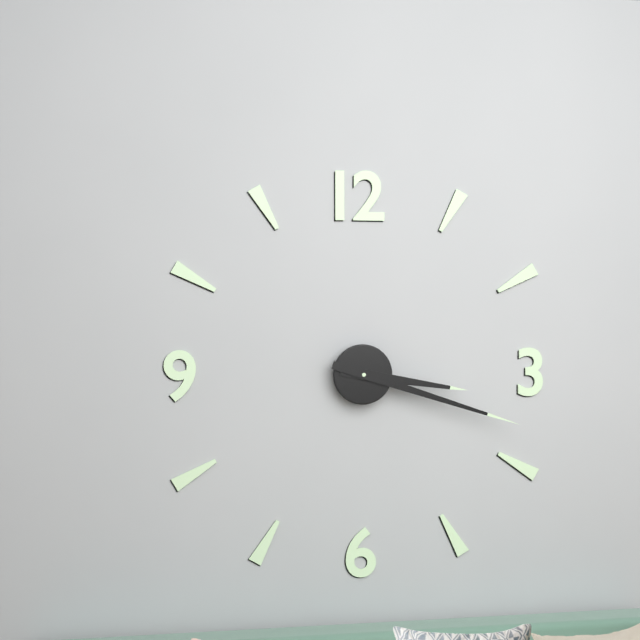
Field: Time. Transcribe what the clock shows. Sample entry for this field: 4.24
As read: 3.18
